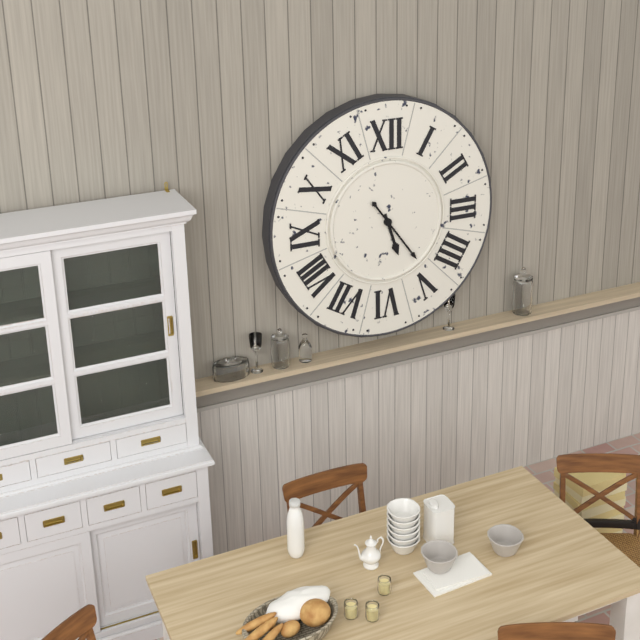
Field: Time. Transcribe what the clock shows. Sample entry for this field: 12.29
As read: 5.24
